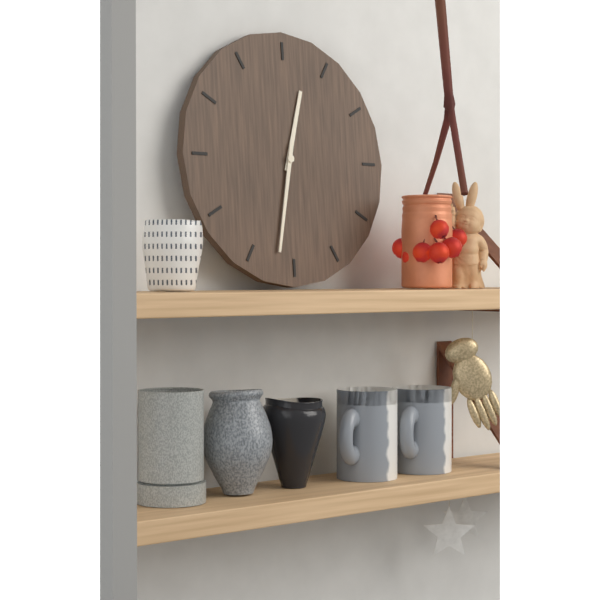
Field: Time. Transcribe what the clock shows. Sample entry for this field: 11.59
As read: 12.32
